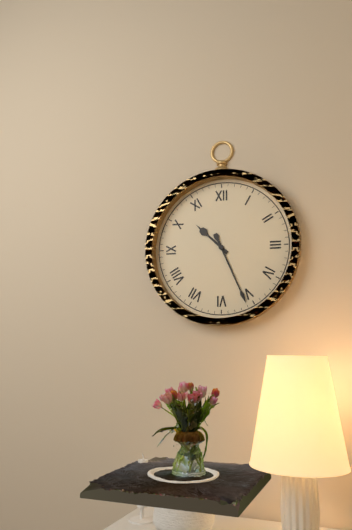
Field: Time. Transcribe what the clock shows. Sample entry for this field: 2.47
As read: 10.26
